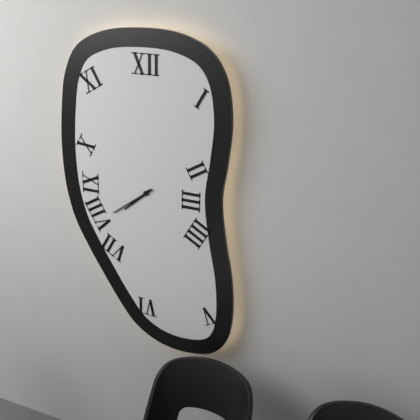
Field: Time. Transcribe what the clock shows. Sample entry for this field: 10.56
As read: 7.39
